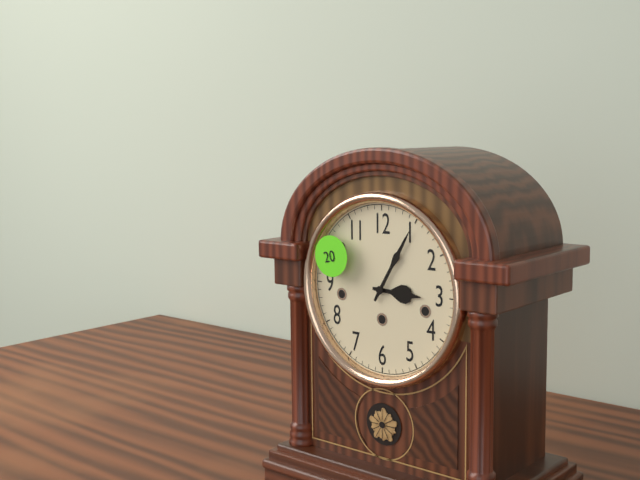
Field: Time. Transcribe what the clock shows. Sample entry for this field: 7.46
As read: 3.05
